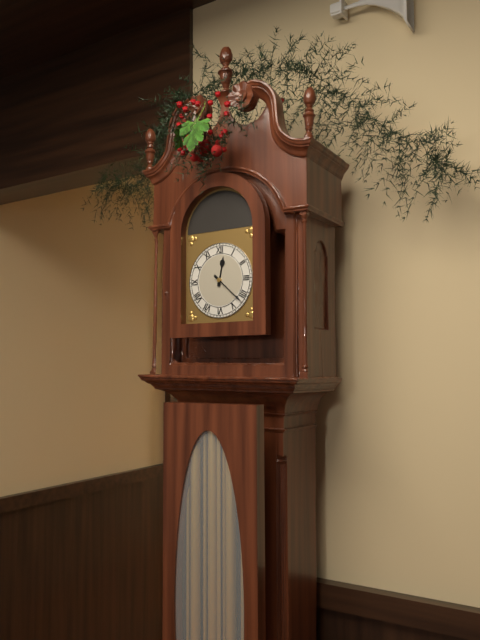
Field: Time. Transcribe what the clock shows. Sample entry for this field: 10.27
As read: 12.22
